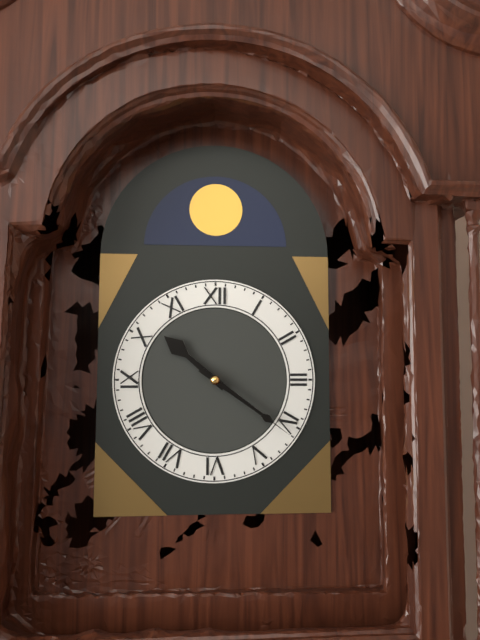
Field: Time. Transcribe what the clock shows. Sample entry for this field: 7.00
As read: 10.21
